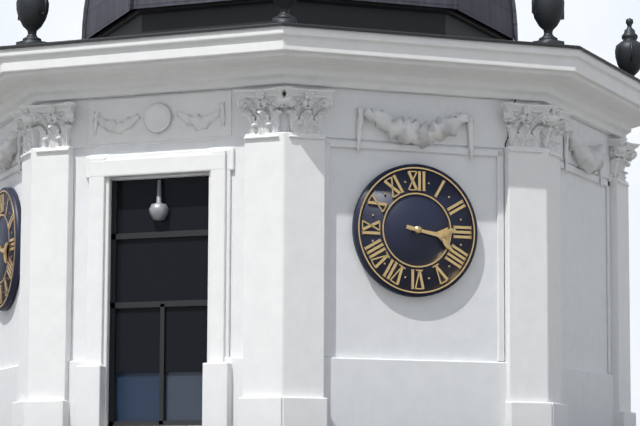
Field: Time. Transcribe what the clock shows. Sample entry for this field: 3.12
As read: 3.17
